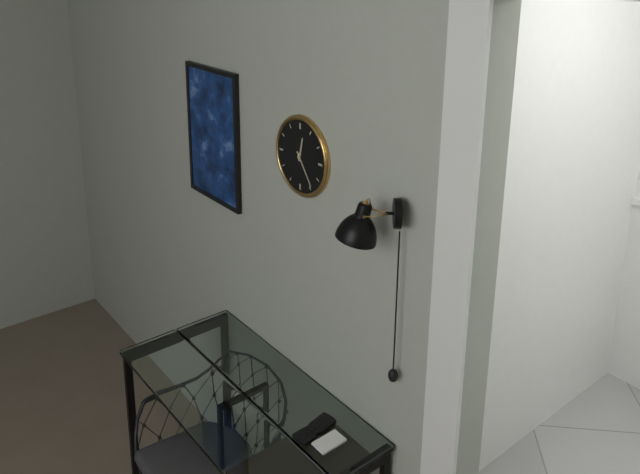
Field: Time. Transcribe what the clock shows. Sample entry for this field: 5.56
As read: 12.24
